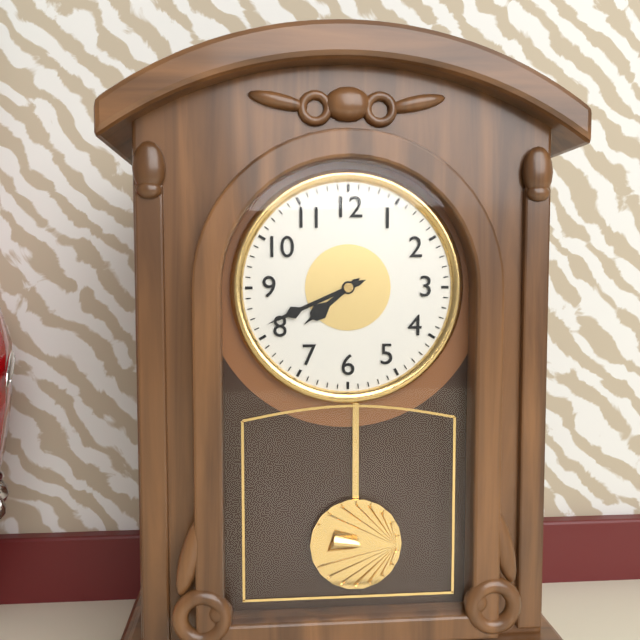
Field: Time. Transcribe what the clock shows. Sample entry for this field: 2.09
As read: 7.41
